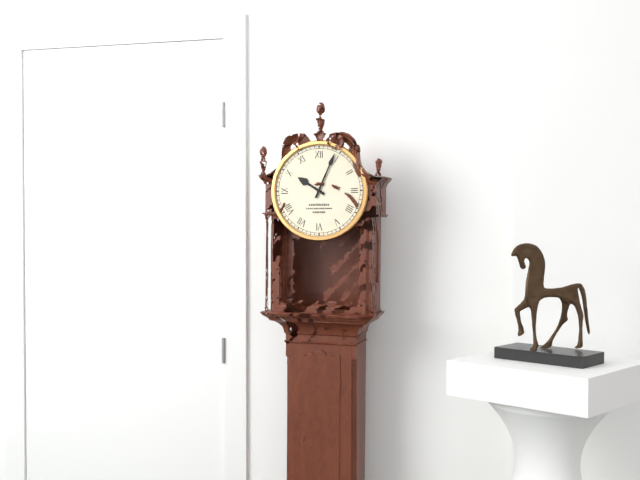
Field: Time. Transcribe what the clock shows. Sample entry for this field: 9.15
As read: 10.04
